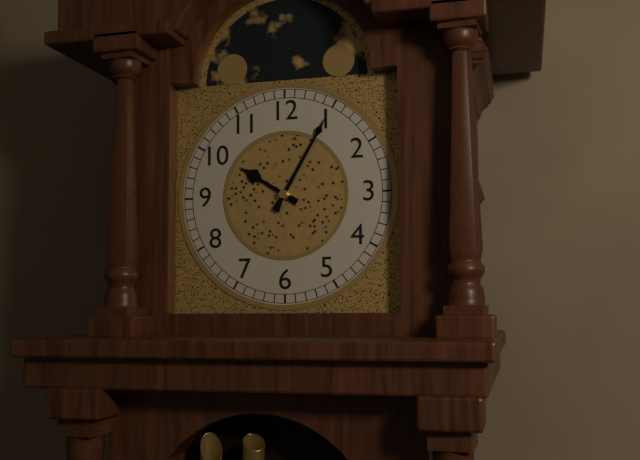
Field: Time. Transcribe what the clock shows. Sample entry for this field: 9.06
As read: 10.05
